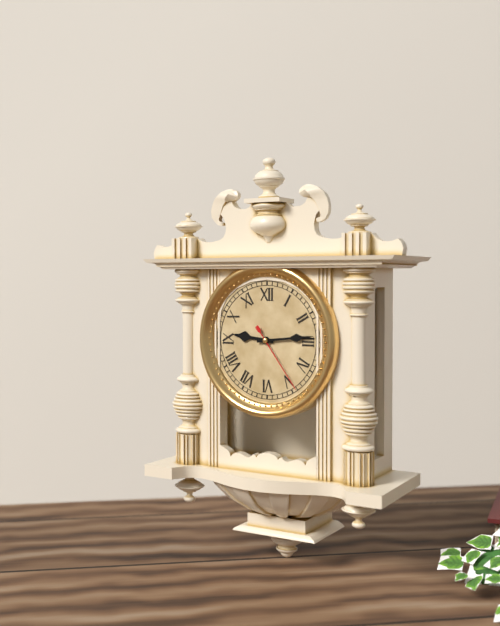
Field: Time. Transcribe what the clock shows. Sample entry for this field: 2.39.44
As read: 9.14.24
